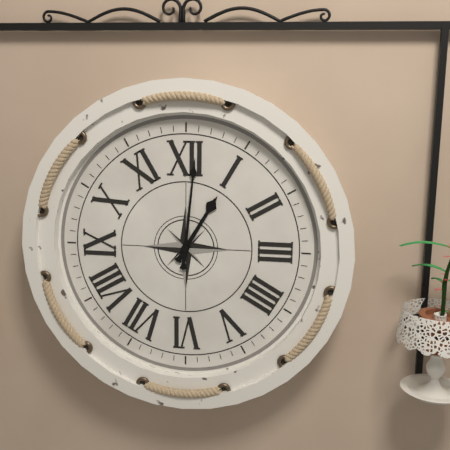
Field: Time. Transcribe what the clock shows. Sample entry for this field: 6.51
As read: 1.01
